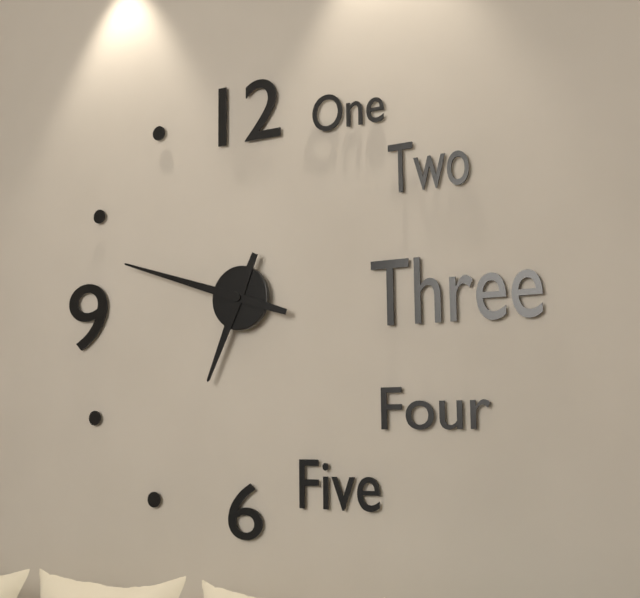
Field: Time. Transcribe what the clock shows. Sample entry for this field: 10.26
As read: 6.48
